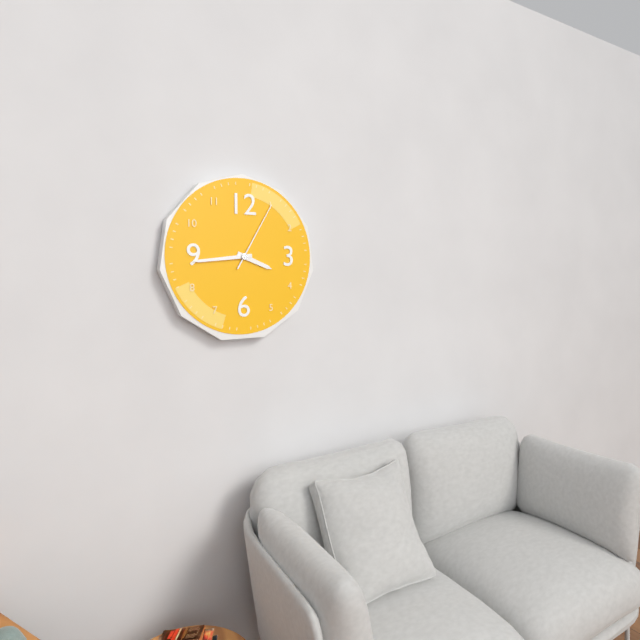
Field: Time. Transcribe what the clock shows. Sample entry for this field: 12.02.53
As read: 3.44.05
